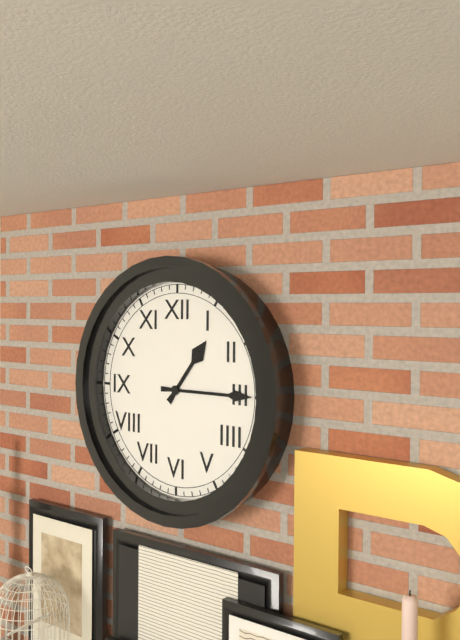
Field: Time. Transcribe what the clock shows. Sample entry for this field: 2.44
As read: 1.15
